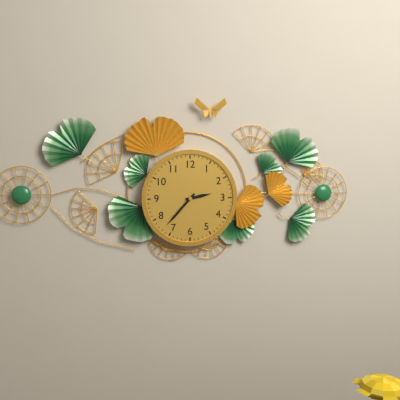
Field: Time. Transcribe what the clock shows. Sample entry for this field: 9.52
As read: 2.37
